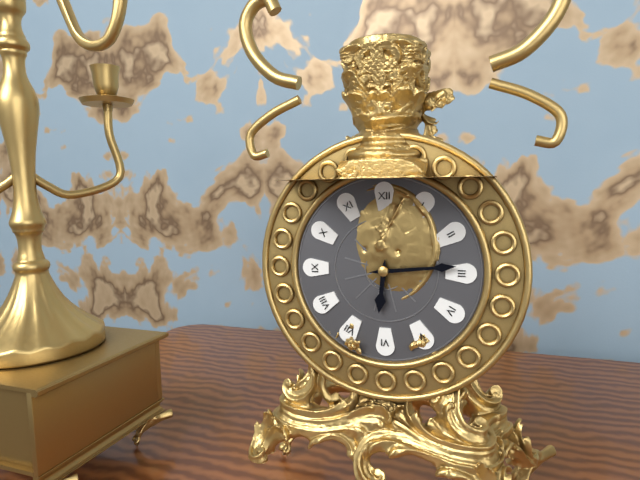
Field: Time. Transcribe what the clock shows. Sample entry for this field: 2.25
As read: 6.14
